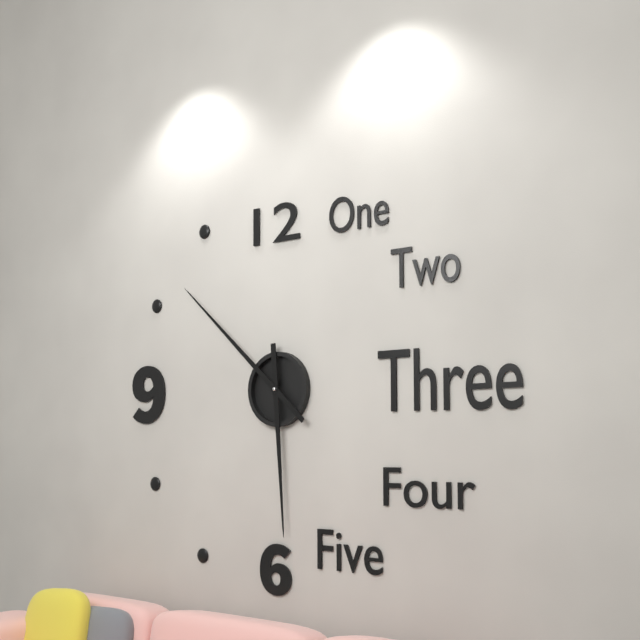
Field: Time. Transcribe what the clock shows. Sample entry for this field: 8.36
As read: 5.52
